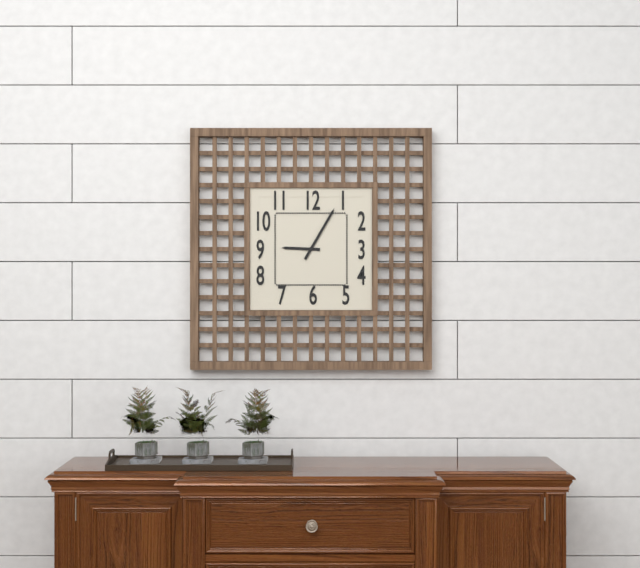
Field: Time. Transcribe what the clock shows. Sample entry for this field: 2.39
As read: 9.05
